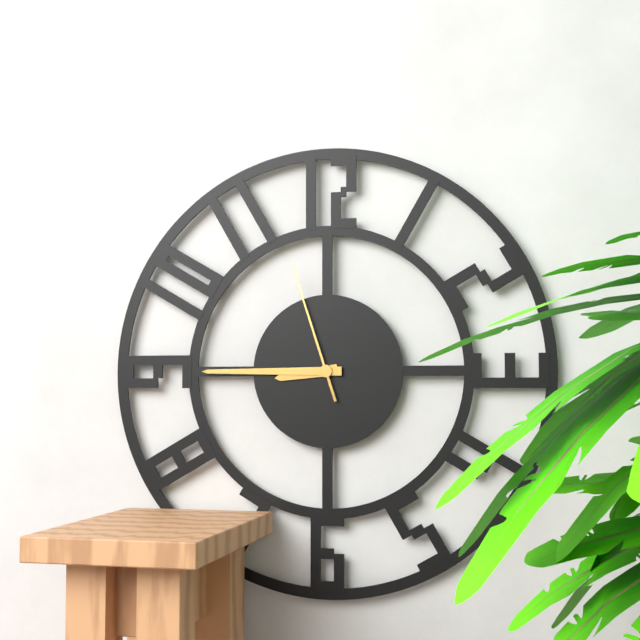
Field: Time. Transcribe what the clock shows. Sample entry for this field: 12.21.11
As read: 8.45.57
